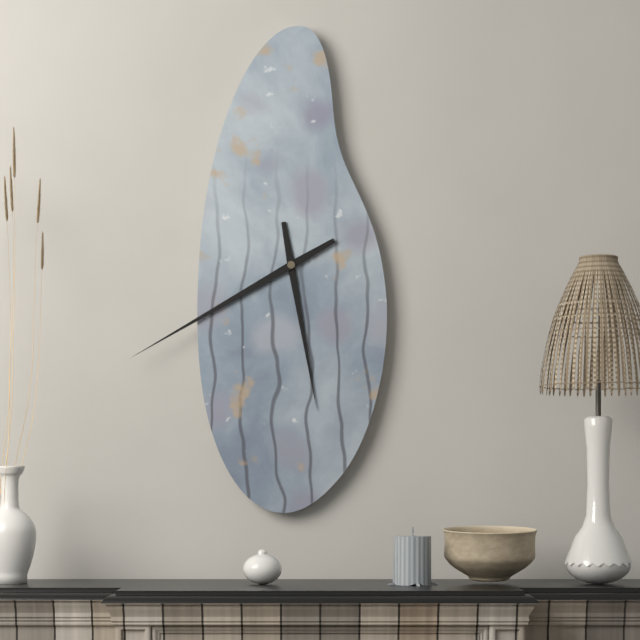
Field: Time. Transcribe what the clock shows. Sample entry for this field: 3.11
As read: 5.40
